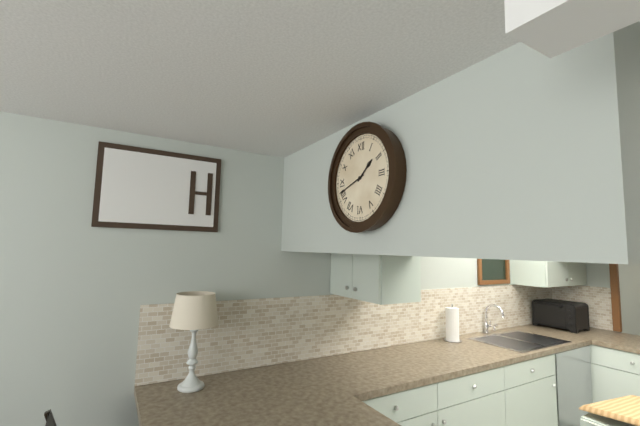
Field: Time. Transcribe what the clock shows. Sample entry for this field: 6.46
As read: 1.42
